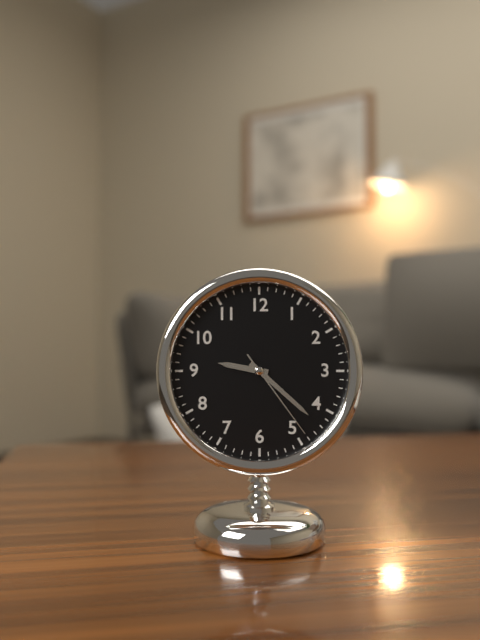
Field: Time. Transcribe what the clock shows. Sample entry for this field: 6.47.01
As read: 9.22.24
